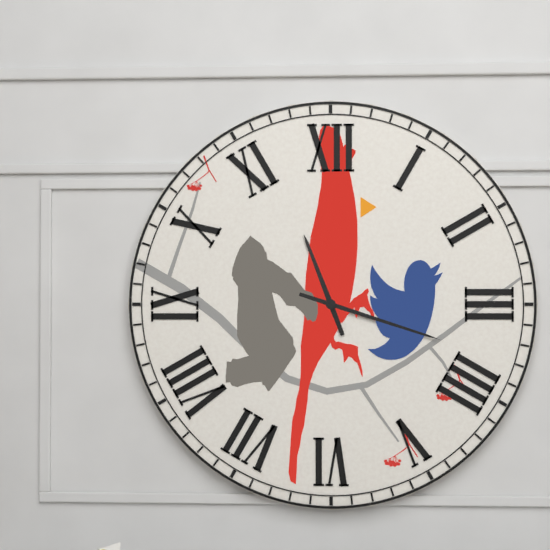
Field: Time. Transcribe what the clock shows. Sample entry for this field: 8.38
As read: 11.18
